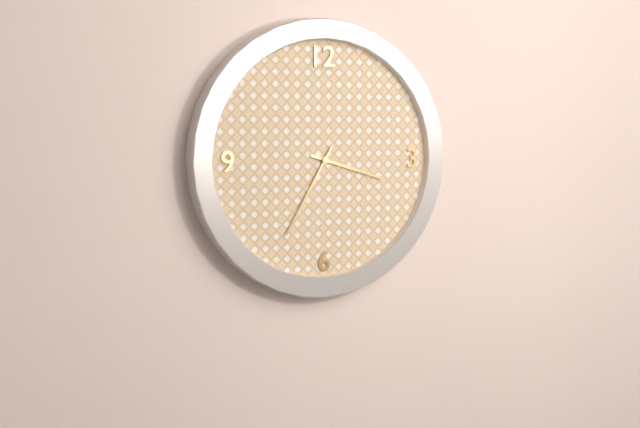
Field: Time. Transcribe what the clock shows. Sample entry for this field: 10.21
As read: 3.35
